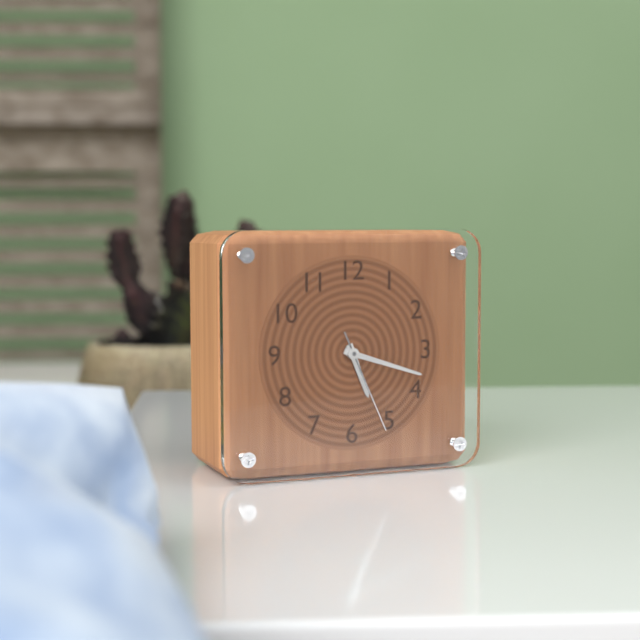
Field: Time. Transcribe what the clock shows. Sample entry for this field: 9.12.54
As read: 5.18.26
